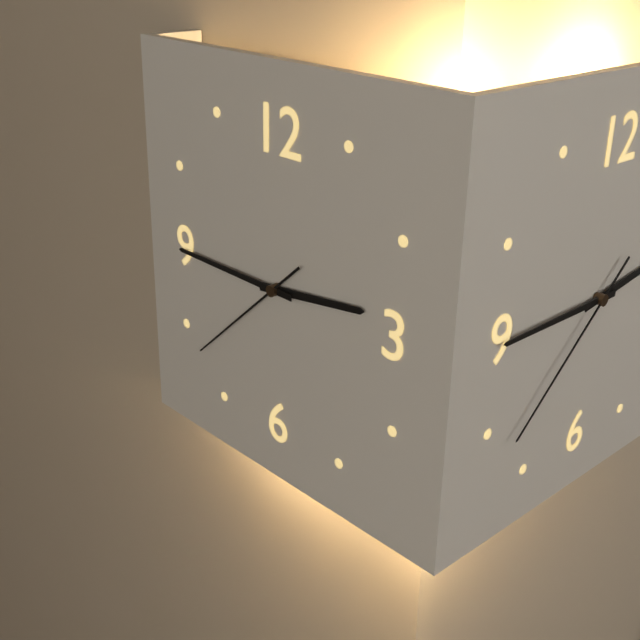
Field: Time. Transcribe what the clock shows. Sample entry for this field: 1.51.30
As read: 2.45.38
